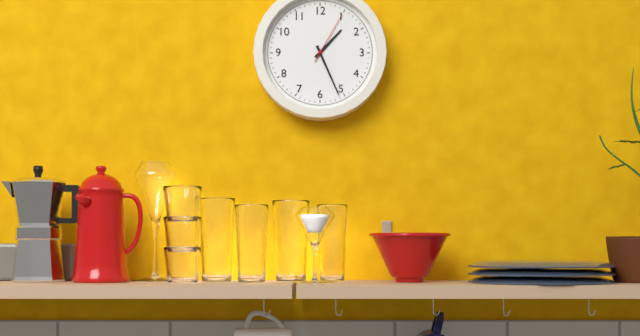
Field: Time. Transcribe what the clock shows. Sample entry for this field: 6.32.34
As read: 1.26.05
